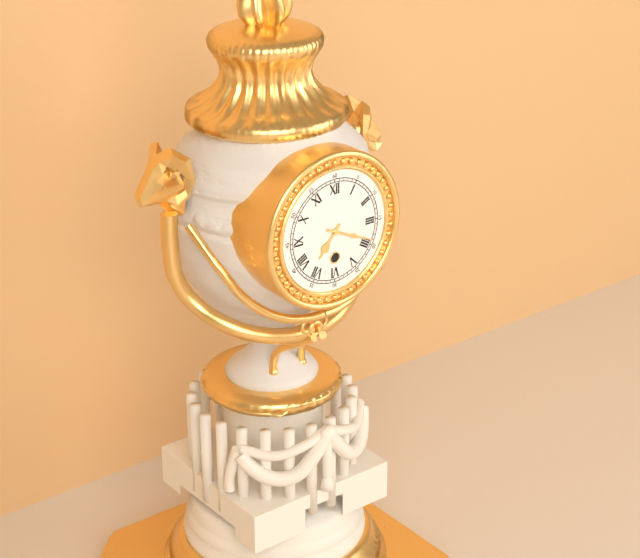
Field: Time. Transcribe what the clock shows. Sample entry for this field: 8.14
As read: 7.19
